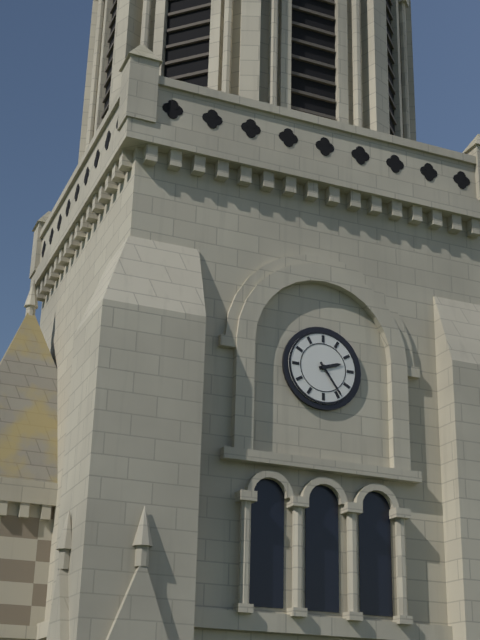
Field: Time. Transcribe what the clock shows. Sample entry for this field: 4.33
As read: 2.24
